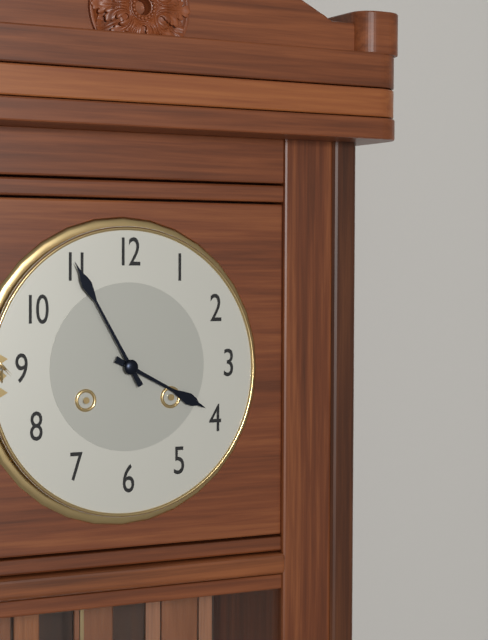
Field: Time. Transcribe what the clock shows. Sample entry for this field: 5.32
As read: 3.55
